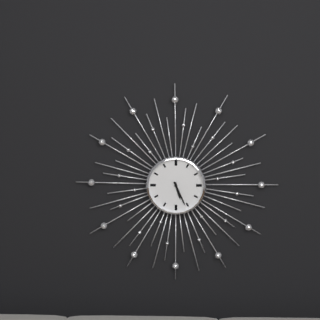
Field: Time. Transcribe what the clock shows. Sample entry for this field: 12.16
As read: 5.26
